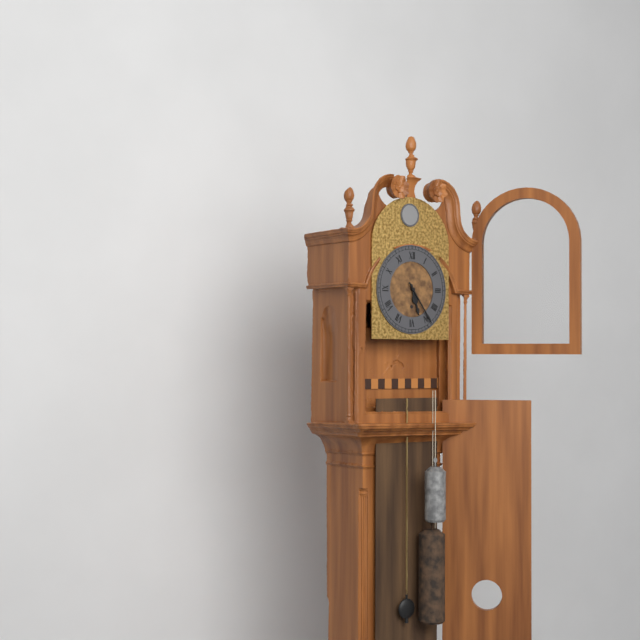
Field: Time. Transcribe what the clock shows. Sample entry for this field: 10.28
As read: 5.24
